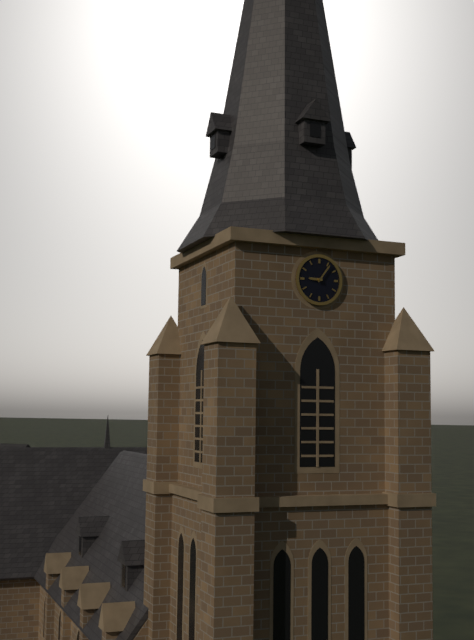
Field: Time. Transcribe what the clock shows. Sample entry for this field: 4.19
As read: 9.06
